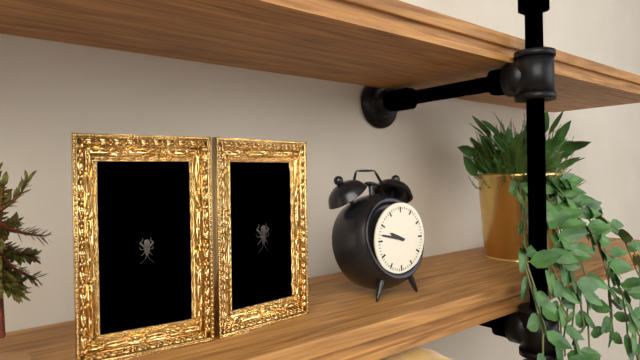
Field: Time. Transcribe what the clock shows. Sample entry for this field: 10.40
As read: 9.47
